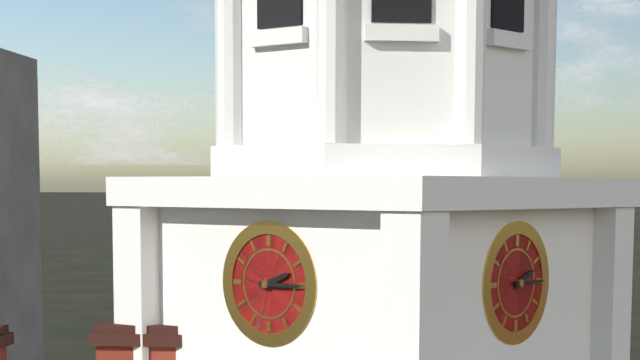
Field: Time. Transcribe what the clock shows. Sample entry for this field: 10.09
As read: 2.15
